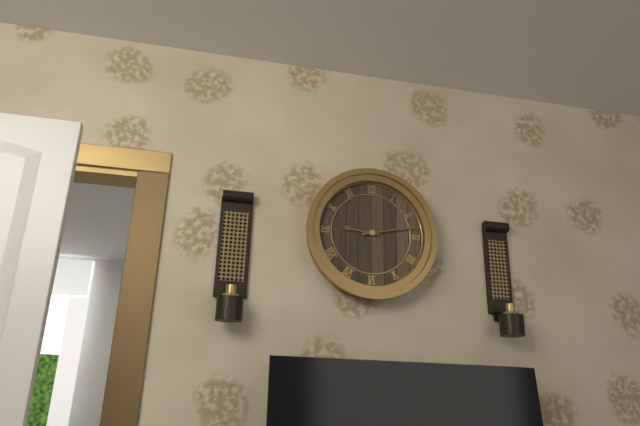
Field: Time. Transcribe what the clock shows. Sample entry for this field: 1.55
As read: 9.13
